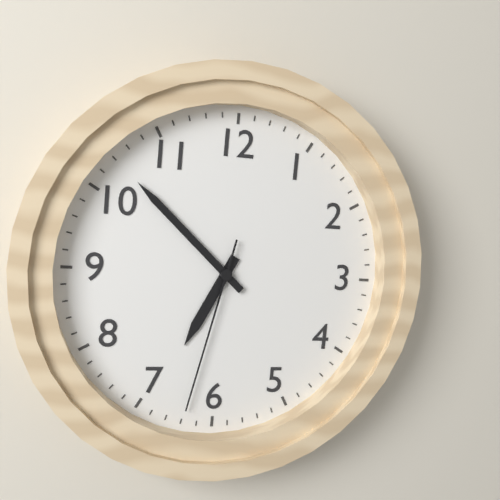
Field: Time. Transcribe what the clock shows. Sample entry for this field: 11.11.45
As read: 6.52.32
